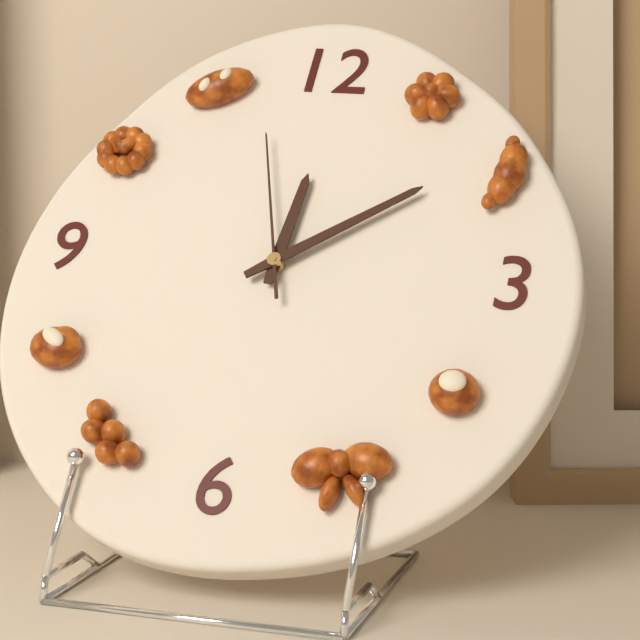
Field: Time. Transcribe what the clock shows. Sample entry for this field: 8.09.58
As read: 12.09.57
